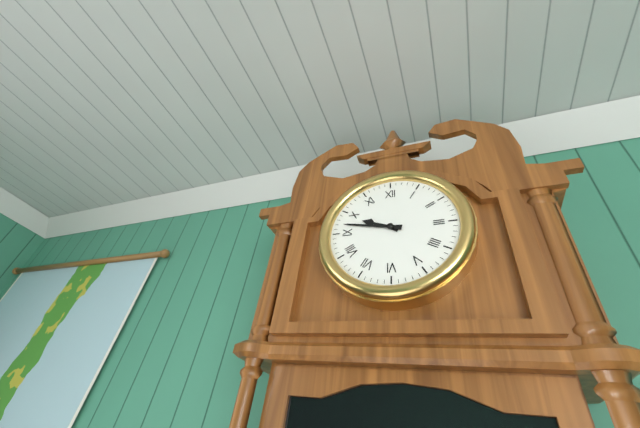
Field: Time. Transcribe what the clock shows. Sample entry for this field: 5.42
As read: 9.47
